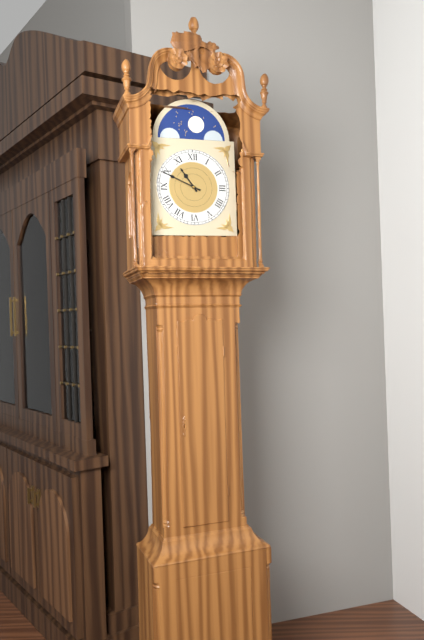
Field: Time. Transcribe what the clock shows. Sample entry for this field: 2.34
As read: 10.49
